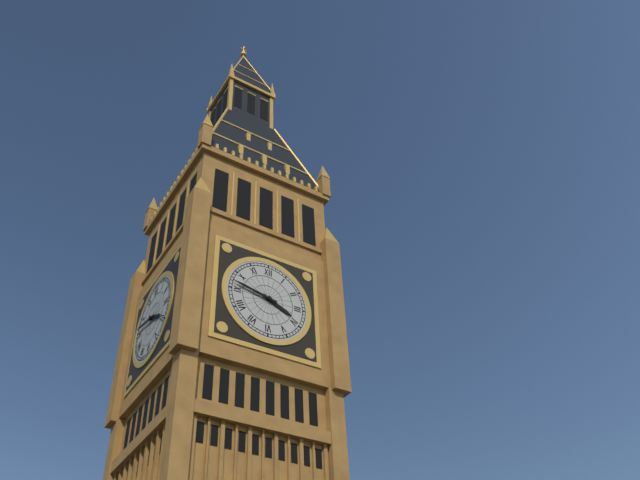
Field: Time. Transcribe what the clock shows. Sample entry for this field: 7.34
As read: 3.47
